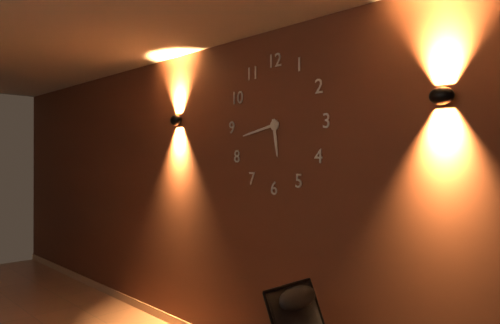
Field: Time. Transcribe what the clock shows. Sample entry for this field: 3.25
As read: 5.43
